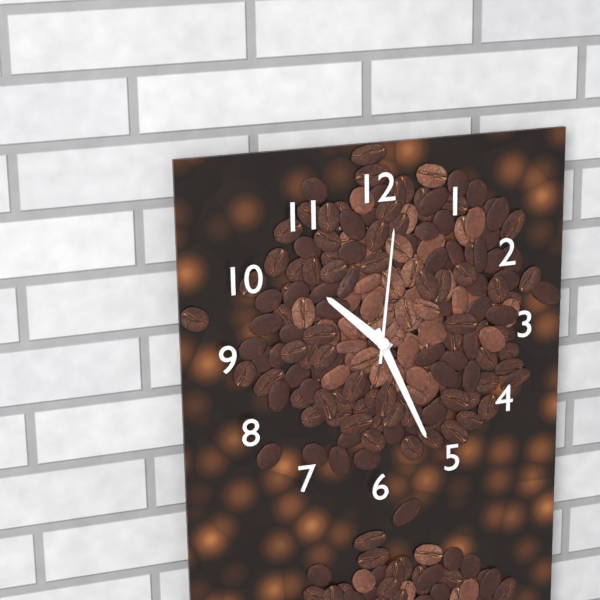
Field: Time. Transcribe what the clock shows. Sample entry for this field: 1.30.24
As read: 10.26.01
